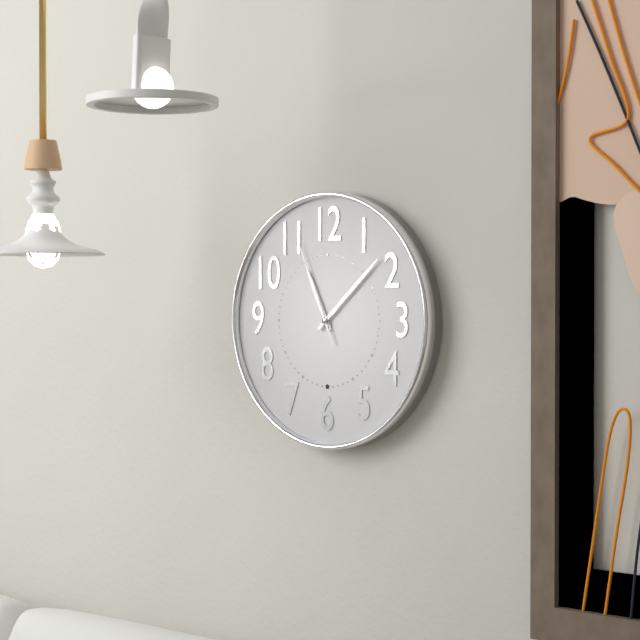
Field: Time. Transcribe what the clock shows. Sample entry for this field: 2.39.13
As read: 11.08.56
